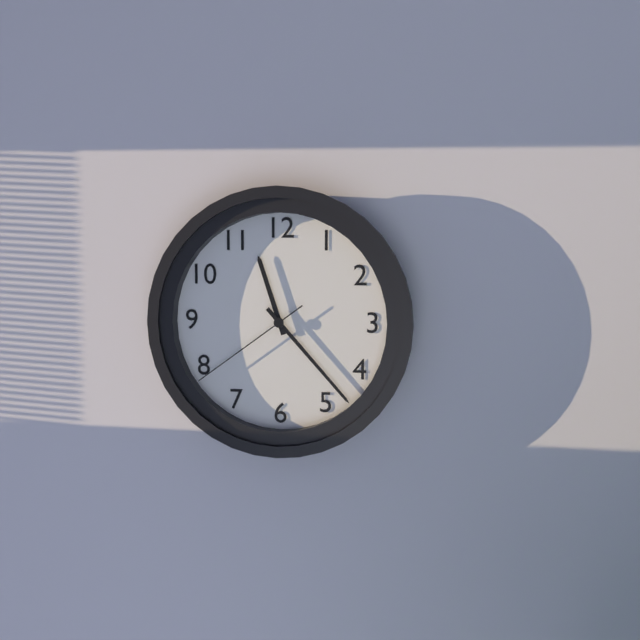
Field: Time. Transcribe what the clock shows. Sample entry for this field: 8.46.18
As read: 11.23.39
